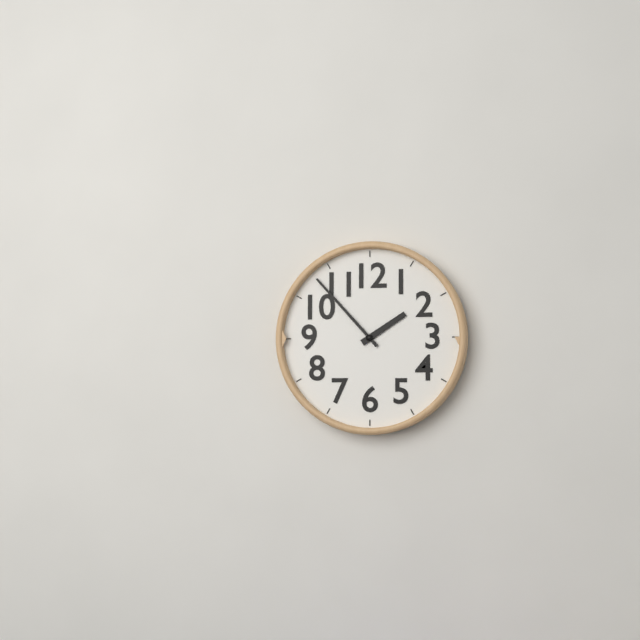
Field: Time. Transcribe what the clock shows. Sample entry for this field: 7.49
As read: 1.53
